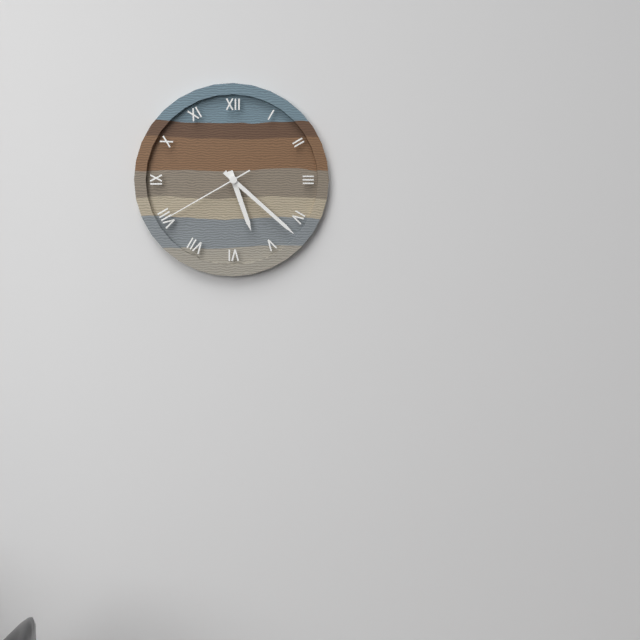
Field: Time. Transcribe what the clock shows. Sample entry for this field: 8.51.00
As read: 5.22.40
